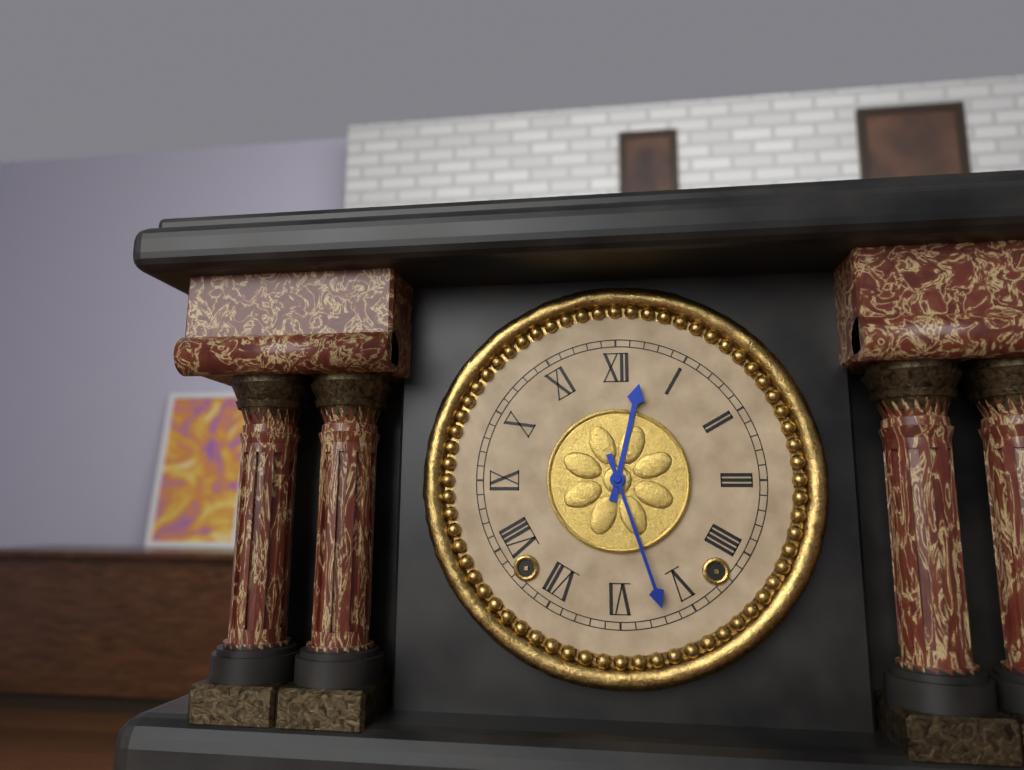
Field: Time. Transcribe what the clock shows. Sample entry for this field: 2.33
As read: 12.27
